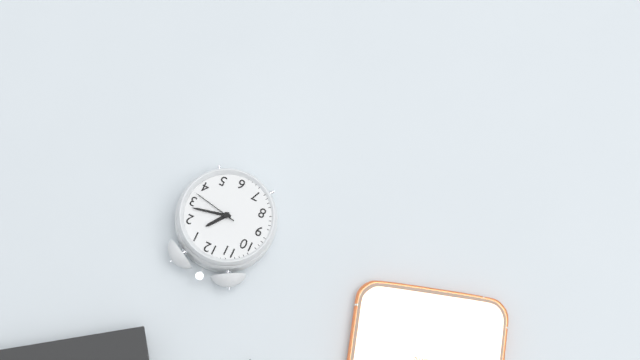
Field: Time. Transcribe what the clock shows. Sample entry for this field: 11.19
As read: 1.13
